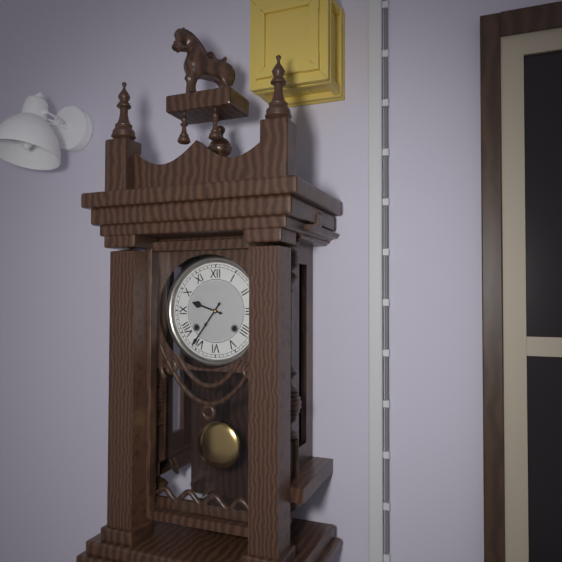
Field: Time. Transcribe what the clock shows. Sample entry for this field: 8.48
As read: 9.36
